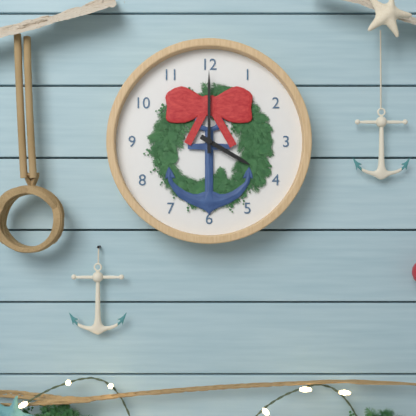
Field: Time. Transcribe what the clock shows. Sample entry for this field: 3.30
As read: 4.00
